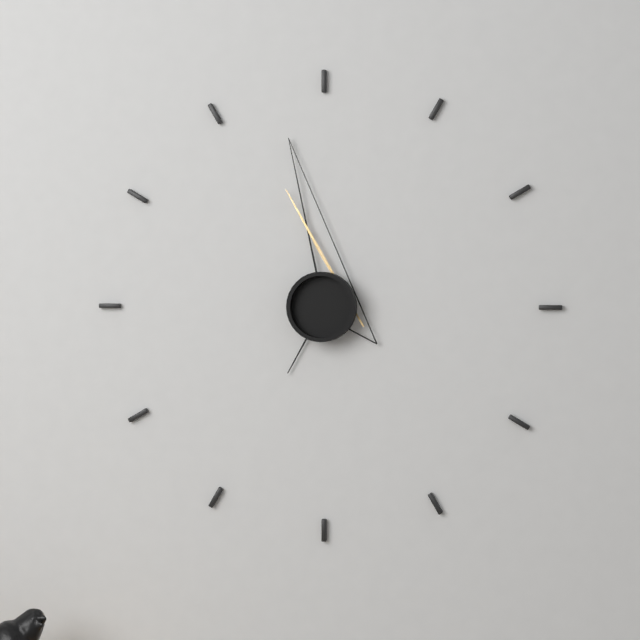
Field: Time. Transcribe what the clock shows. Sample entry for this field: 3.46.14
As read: 6.58.57
